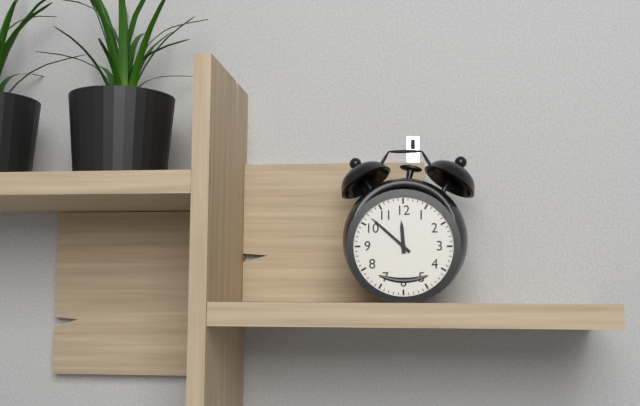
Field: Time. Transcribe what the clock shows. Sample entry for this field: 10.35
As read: 11.52
